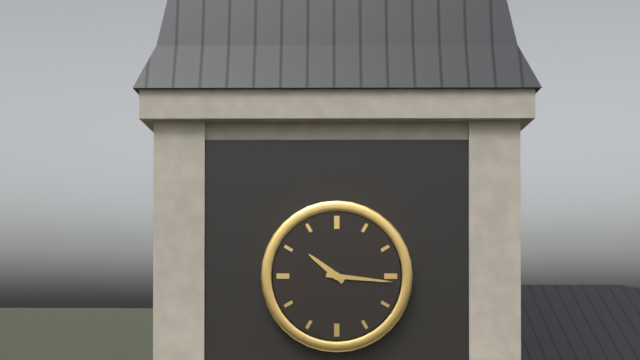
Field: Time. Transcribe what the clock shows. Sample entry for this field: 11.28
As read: 10.16
